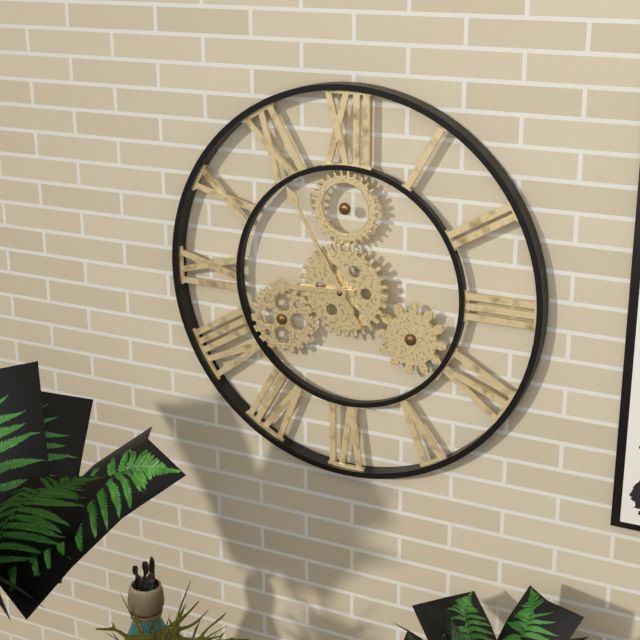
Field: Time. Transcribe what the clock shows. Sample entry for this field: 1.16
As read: 8.55
